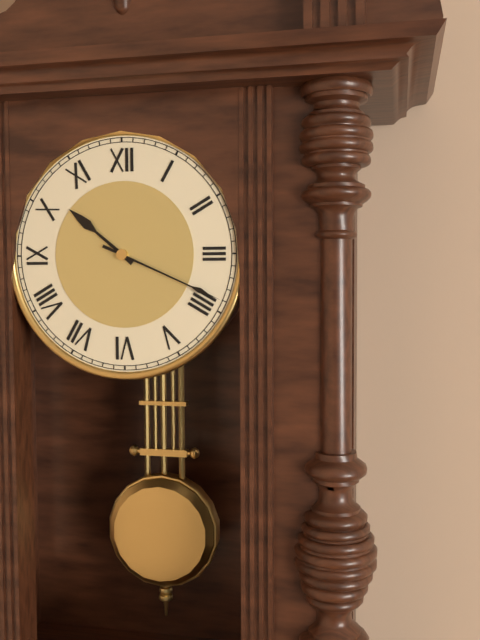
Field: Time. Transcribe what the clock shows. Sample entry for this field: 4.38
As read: 10.19
